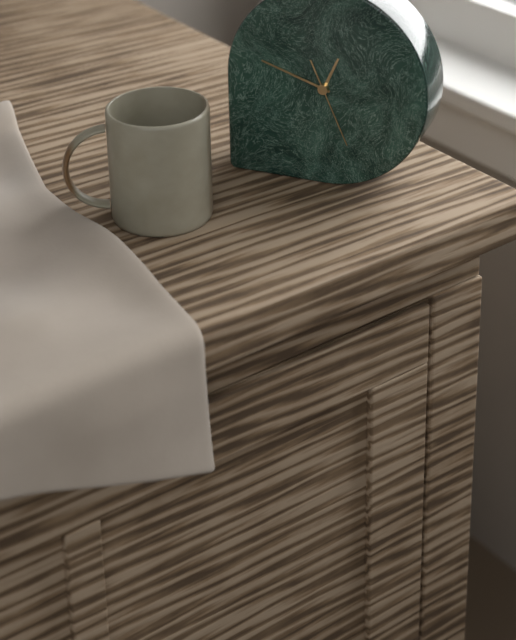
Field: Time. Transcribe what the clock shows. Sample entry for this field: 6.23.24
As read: 12.48.26
